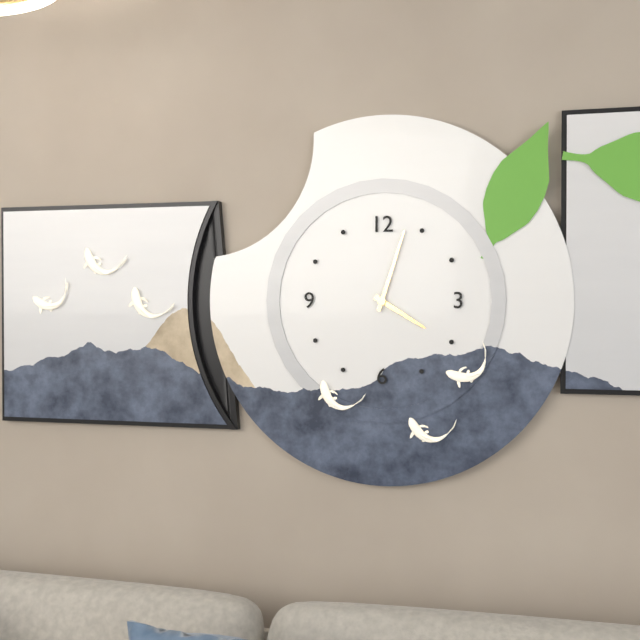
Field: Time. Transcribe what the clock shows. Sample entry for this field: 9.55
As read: 4.03
